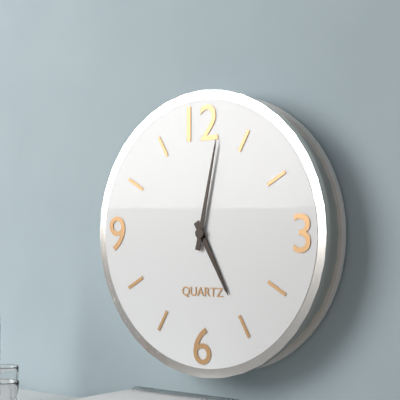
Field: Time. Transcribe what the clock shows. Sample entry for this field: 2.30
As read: 5.02
